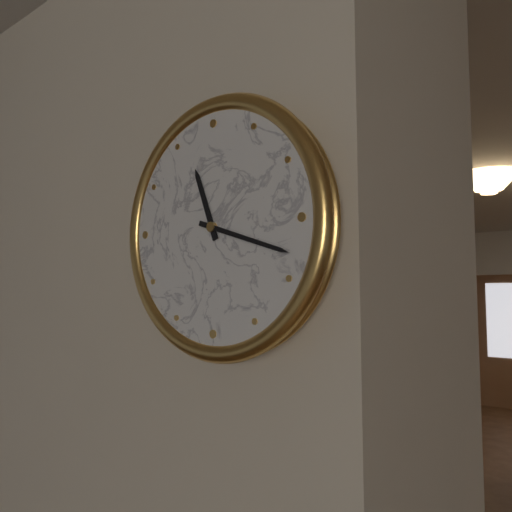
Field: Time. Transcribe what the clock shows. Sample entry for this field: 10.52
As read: 11.18
